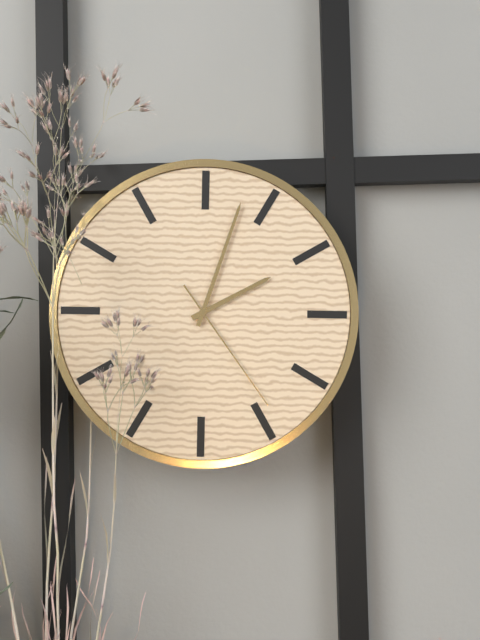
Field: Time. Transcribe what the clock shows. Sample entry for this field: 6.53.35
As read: 2.03.24
